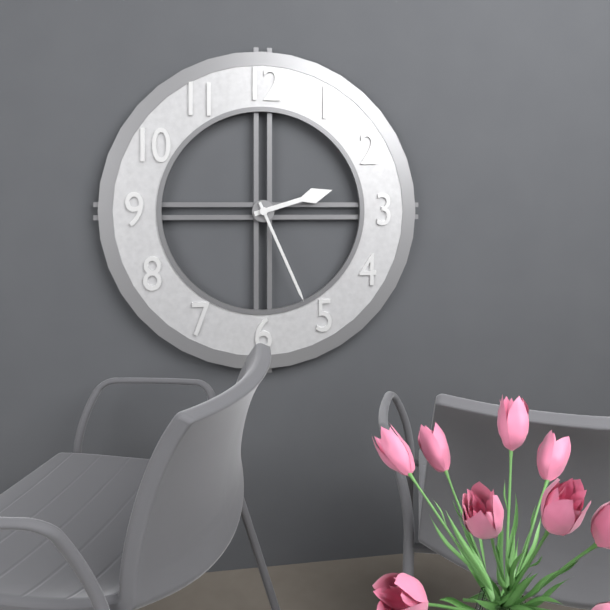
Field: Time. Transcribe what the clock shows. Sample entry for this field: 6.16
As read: 2.26
